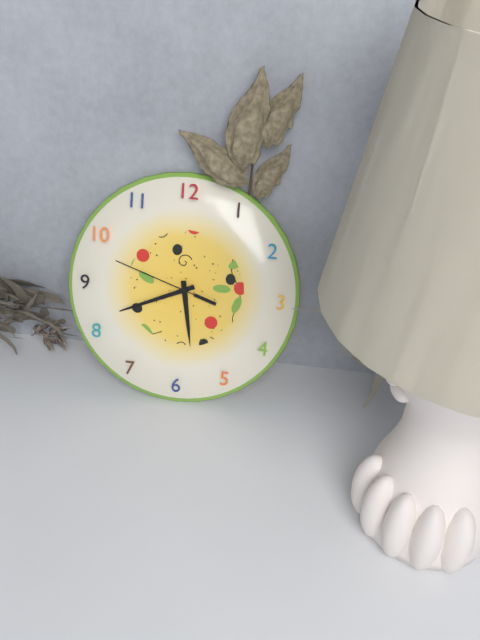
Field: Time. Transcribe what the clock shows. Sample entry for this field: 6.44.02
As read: 5.41.48
